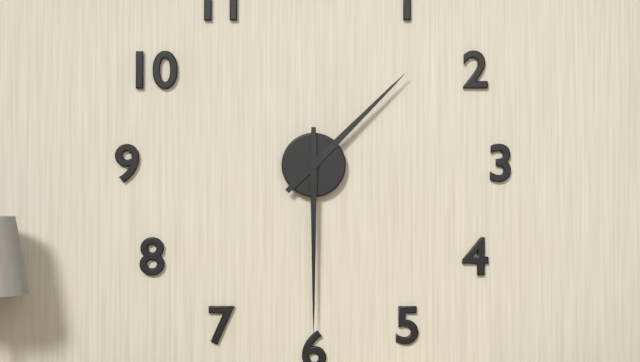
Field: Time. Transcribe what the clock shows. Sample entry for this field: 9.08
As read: 1.30
